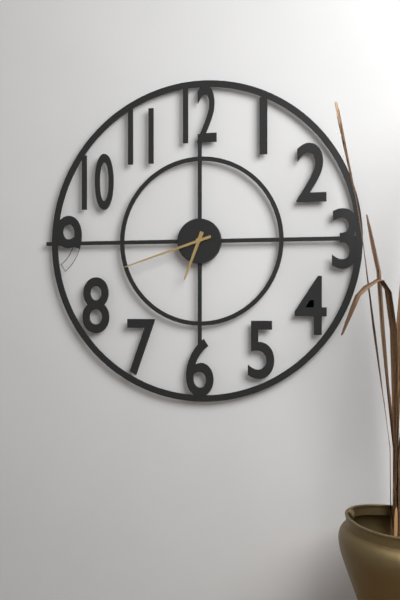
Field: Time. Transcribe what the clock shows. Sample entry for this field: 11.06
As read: 6.42
